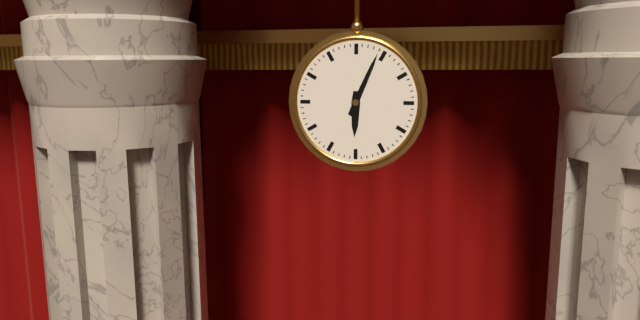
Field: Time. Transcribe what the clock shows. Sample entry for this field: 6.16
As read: 6.04
